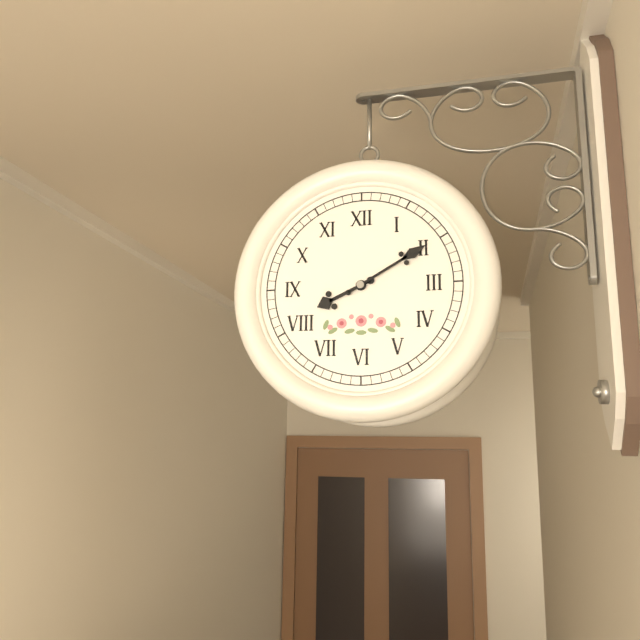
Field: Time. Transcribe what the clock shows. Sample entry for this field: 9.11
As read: 8.10
